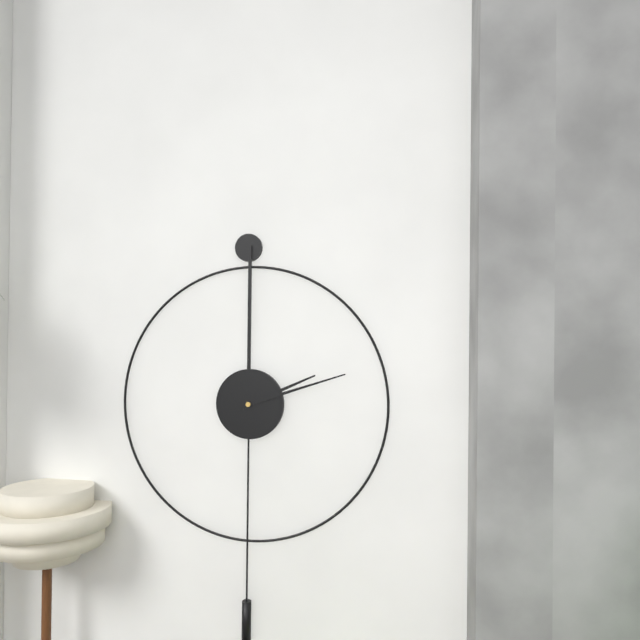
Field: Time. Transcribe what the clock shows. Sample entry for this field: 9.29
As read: 2.12
